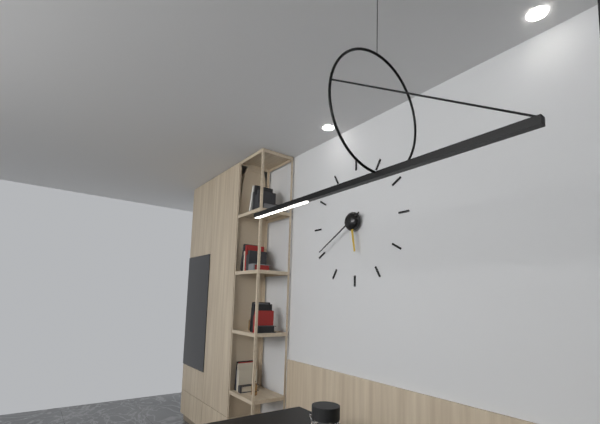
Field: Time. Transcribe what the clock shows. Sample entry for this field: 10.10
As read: 5.40
